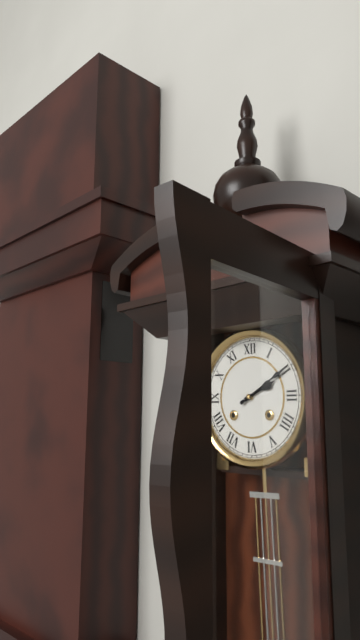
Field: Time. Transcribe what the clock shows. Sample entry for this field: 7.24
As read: 2.10
